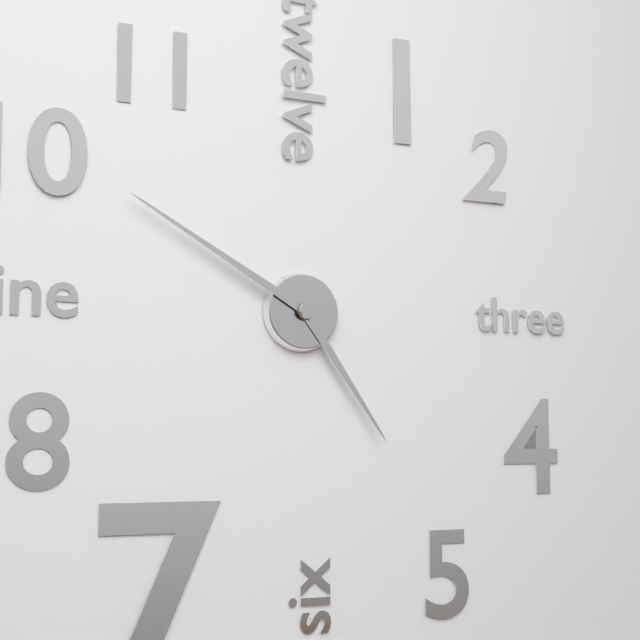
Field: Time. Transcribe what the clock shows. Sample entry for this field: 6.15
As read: 4.50
